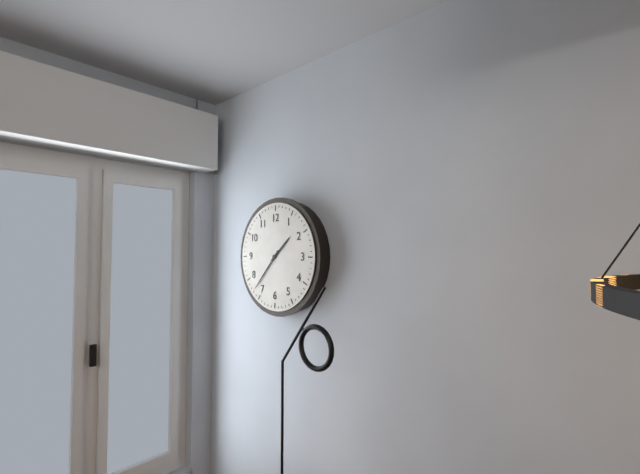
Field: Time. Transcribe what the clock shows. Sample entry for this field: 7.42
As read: 1.37
